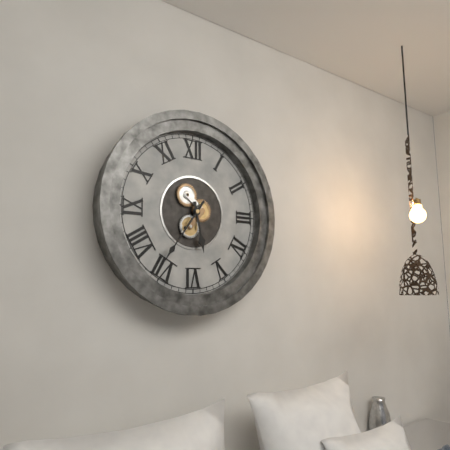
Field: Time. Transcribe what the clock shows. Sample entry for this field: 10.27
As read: 5.36
